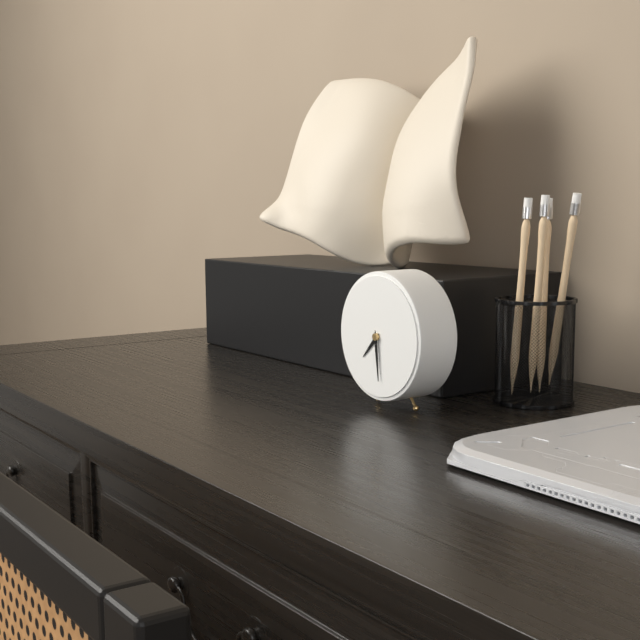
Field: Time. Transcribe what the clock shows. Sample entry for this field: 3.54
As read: 7.29
